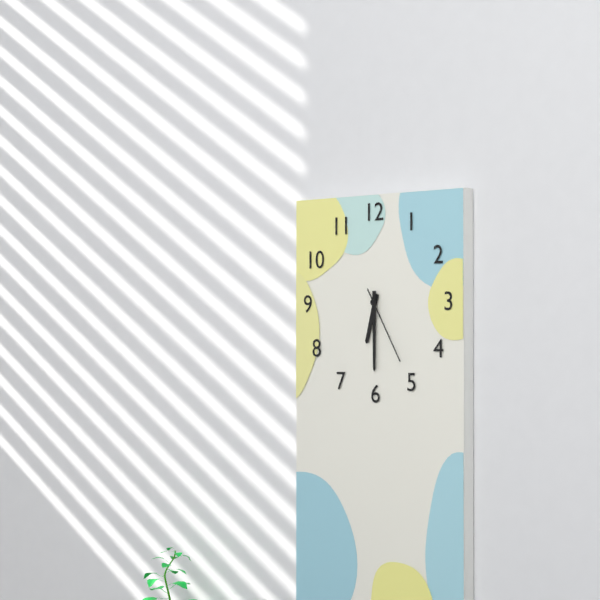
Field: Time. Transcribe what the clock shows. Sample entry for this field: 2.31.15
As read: 6.30.25
